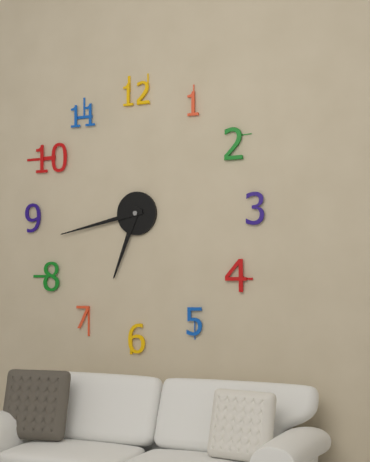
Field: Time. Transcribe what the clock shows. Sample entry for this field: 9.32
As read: 6.43
